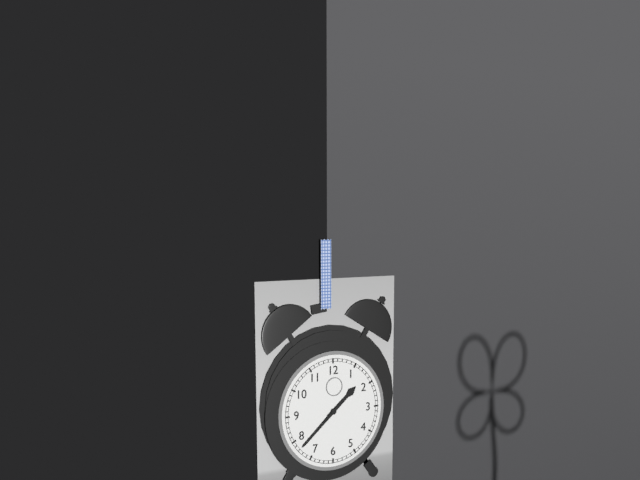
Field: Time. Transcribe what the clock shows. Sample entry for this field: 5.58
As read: 1.38
